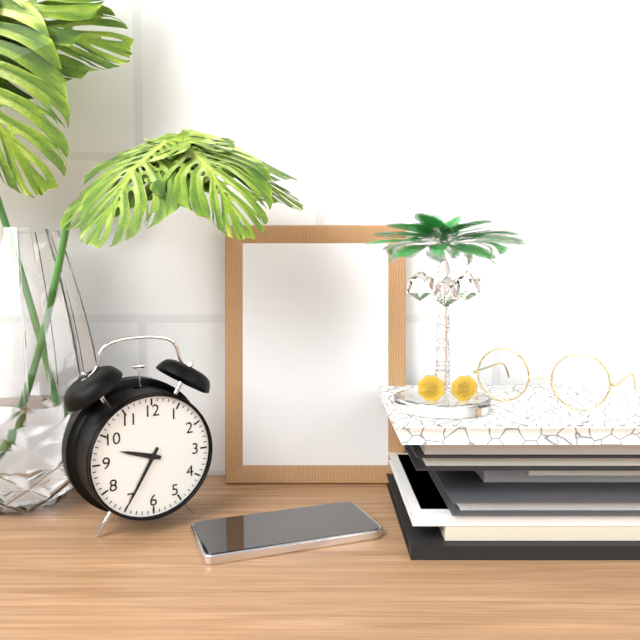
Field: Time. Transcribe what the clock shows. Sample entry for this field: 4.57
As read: 9.35
